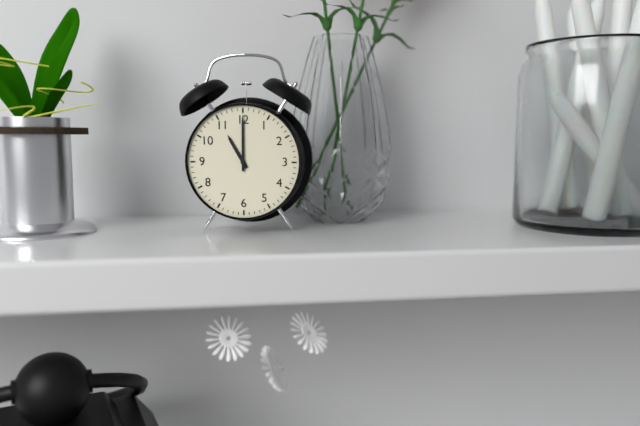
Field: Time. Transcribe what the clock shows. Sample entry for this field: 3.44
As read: 11.00
